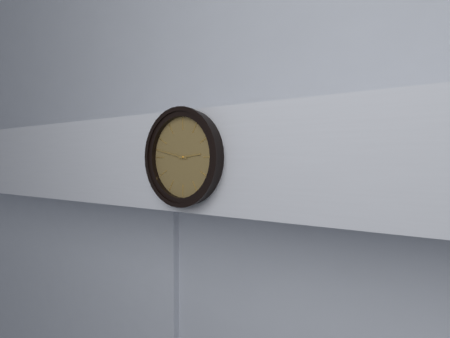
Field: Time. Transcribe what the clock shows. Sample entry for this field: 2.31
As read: 2.47
